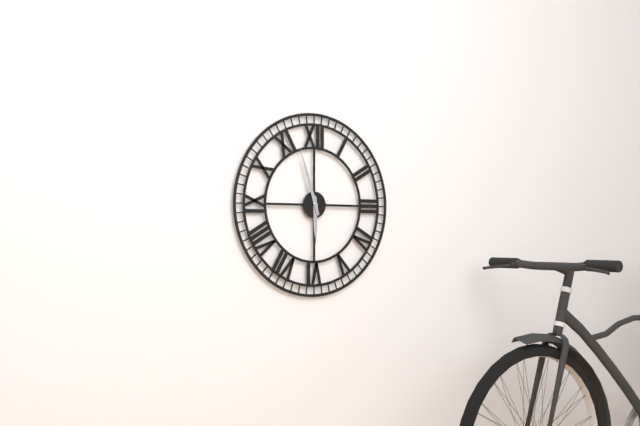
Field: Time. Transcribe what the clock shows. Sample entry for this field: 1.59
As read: 5.57
